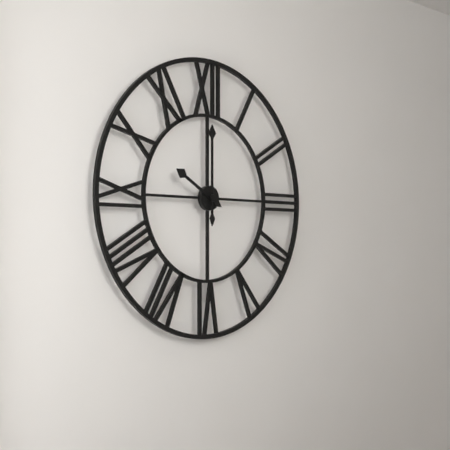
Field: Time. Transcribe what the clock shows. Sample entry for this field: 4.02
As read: 10.00
